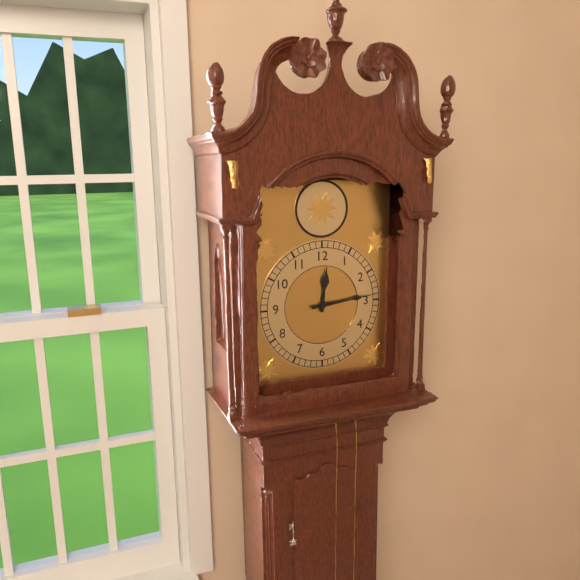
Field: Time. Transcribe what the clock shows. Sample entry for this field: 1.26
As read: 12.14
